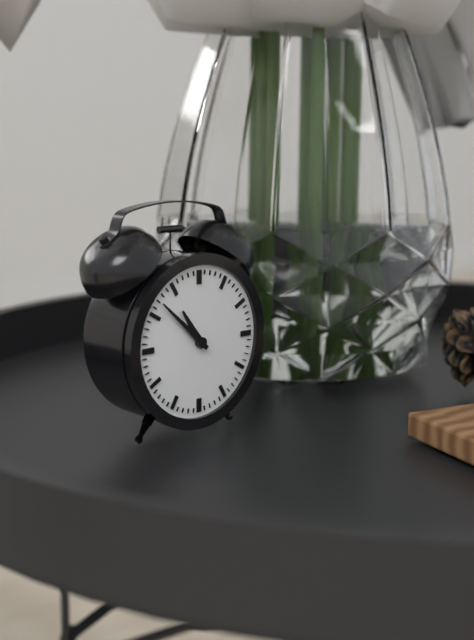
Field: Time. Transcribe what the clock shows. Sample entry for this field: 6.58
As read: 10.52
